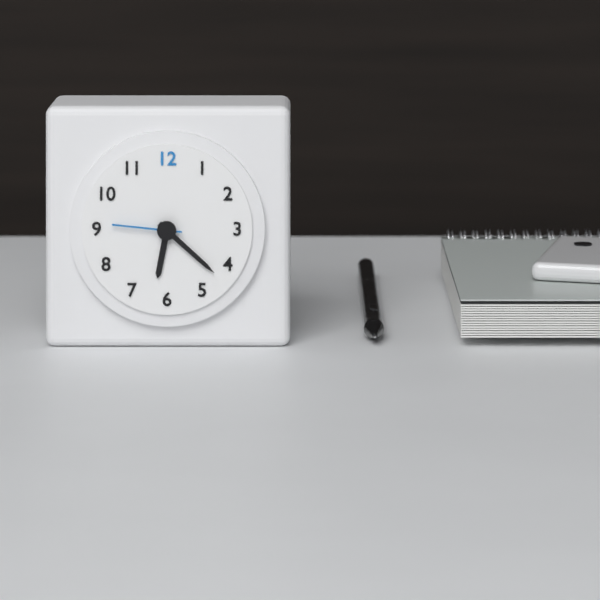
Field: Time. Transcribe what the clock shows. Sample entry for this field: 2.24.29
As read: 6.22.46
